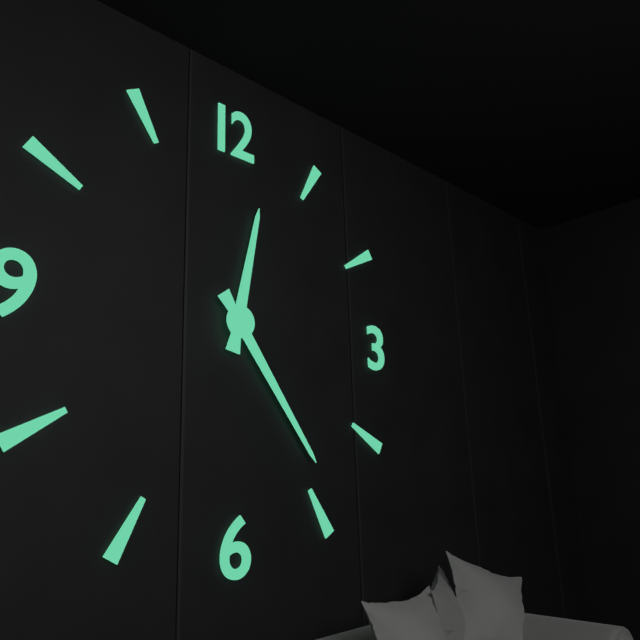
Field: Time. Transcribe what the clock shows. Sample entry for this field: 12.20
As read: 12.24
